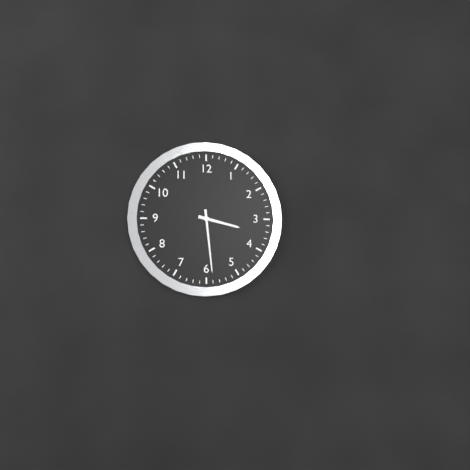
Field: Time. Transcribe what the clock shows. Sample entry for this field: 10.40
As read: 3.29
